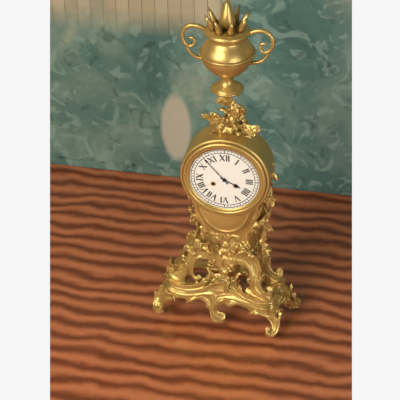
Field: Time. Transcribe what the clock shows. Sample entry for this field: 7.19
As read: 3.53
